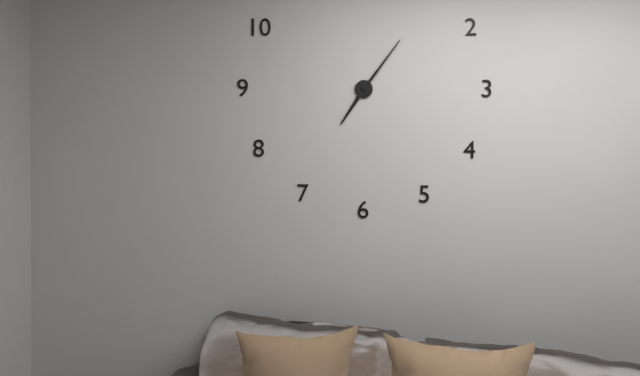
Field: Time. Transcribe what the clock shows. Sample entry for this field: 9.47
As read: 7.06
